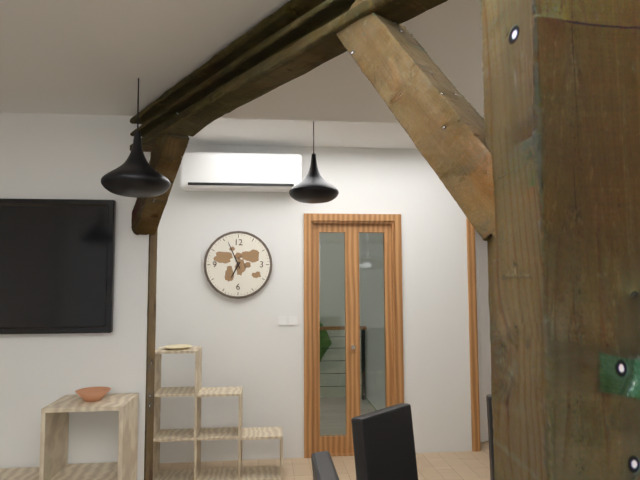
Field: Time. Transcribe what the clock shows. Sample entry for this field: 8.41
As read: 6.56
